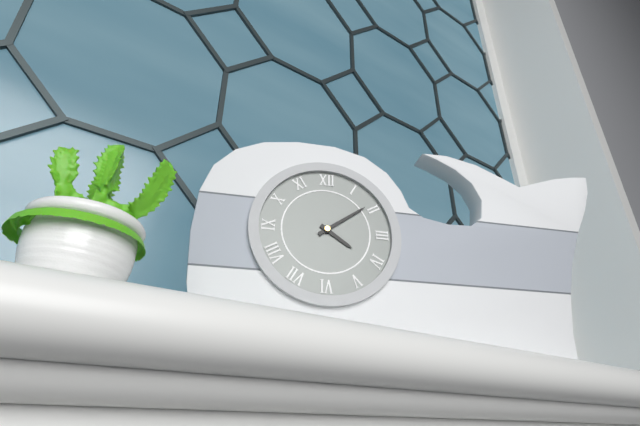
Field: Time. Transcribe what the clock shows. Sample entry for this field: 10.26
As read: 4.09
